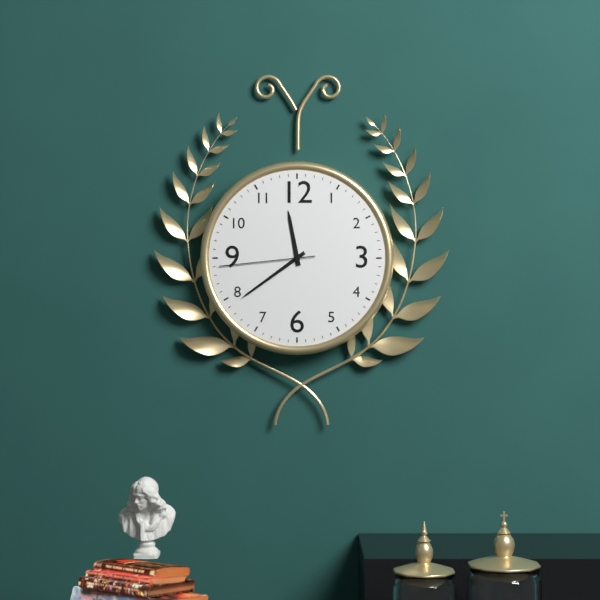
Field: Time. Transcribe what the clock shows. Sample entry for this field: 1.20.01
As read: 11.39.44
